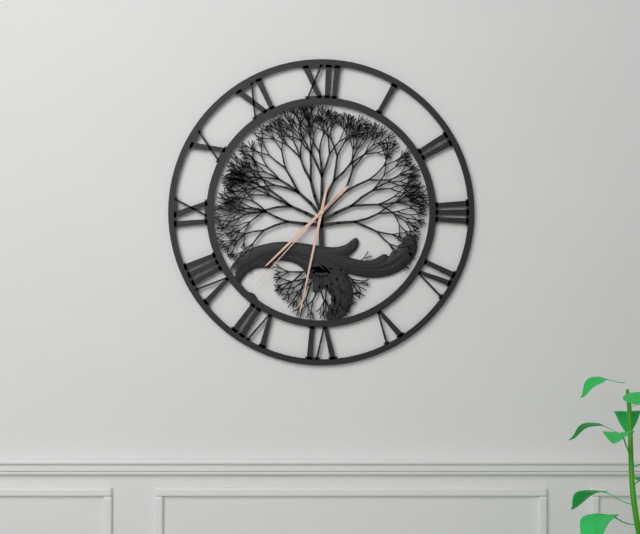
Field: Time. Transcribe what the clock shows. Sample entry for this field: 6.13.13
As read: 7.32.37
